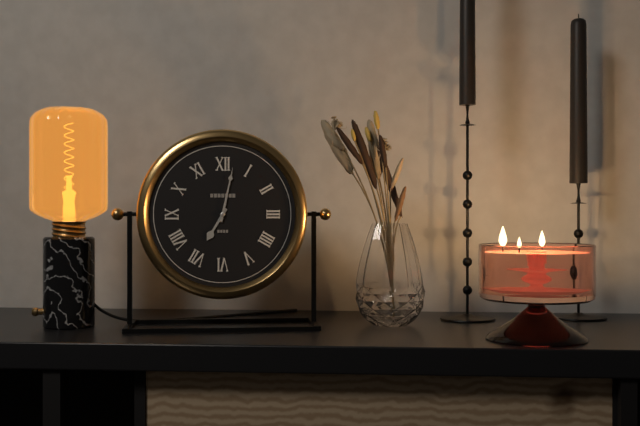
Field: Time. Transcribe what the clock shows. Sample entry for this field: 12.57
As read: 7.02
